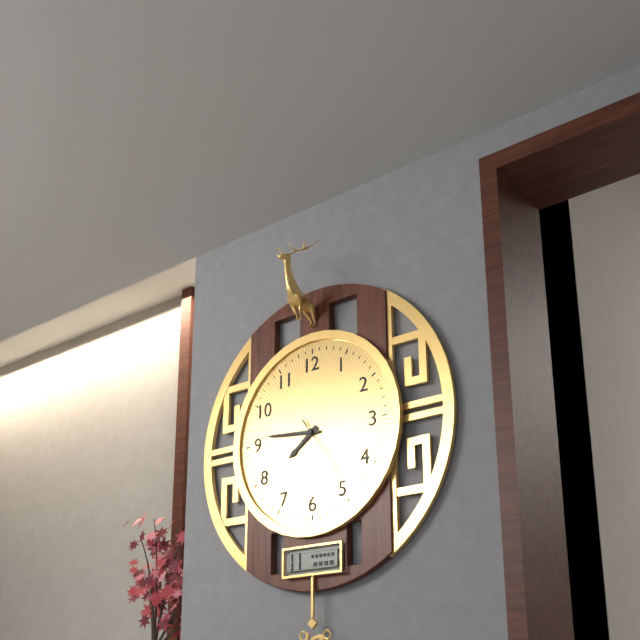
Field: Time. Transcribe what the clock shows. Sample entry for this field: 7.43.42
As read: 7.46.24
